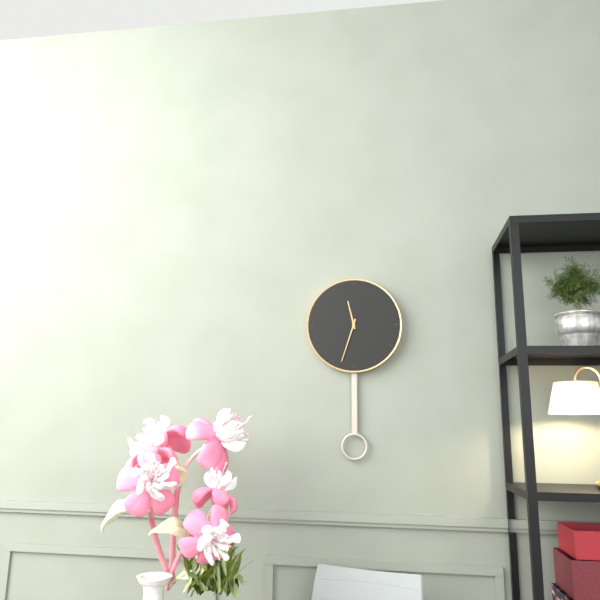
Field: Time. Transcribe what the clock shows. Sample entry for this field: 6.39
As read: 11.33
